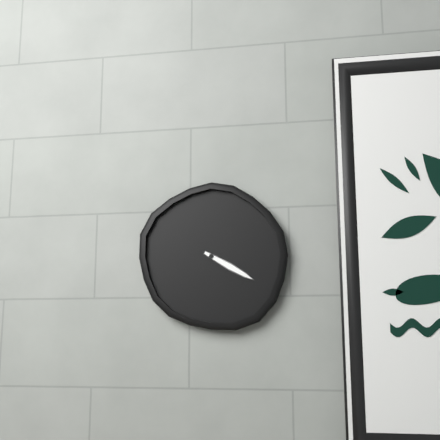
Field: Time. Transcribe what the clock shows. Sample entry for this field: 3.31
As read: 10.20
